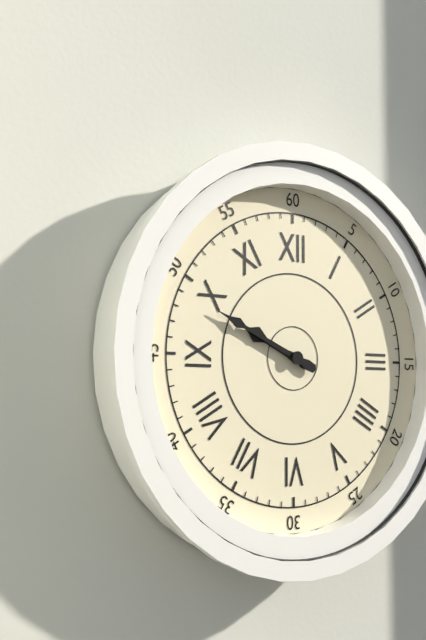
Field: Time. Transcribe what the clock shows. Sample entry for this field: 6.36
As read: 9.49
